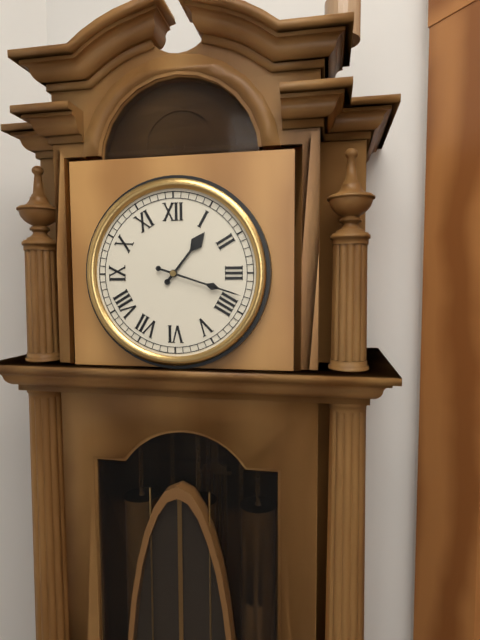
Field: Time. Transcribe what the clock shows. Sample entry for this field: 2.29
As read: 1.18
